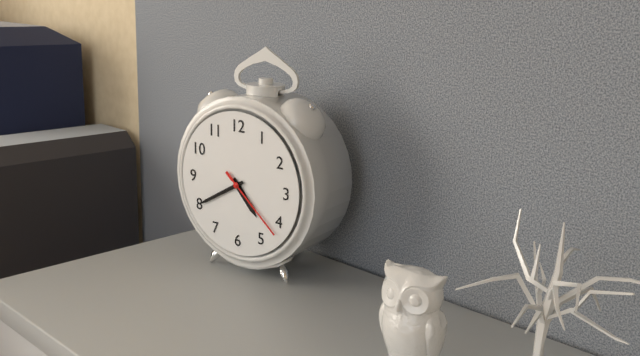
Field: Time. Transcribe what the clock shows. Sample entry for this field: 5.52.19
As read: 4.40.22
